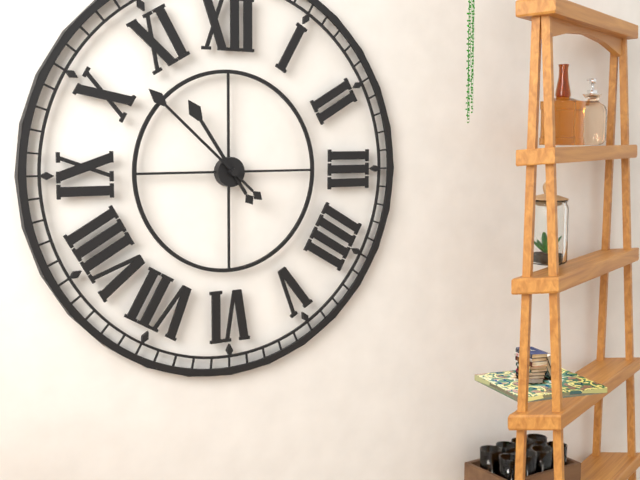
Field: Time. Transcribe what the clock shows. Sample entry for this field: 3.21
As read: 10.52
